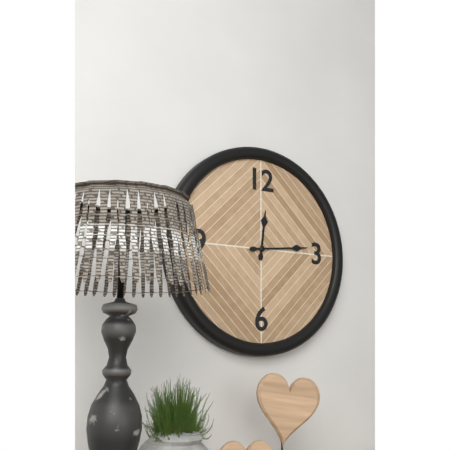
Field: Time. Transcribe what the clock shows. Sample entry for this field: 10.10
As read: 12.14
